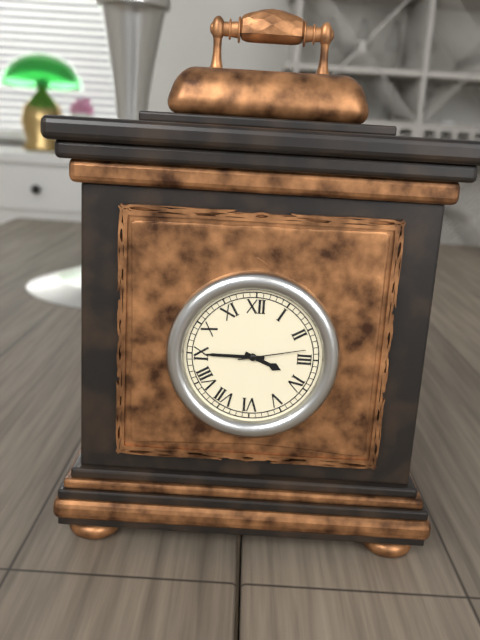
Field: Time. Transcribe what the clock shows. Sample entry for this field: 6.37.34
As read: 3.45.13
